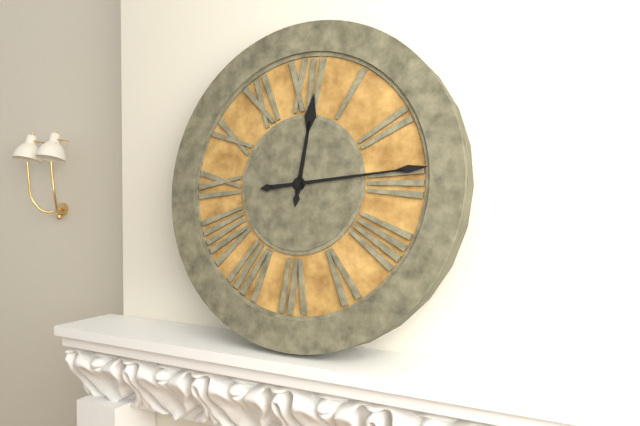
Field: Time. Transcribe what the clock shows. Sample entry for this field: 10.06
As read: 12.14
